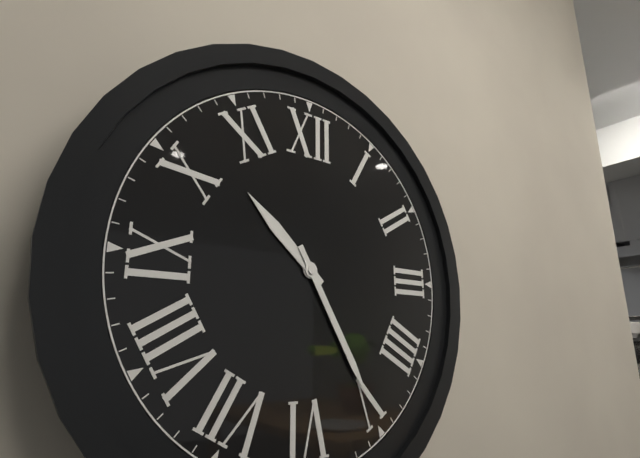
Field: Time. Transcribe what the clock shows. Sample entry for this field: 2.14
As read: 10.25
